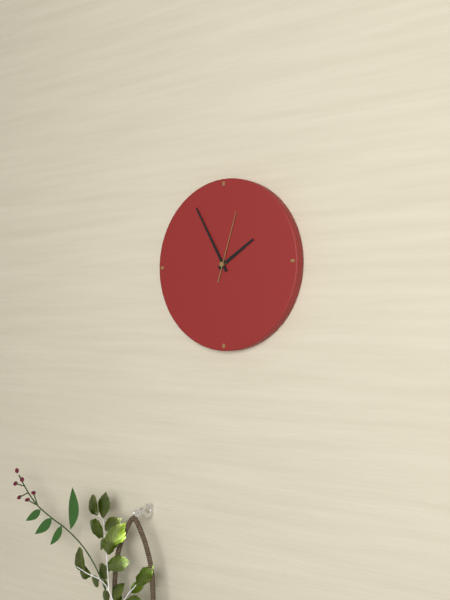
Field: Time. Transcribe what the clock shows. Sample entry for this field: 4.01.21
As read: 1.55.03
